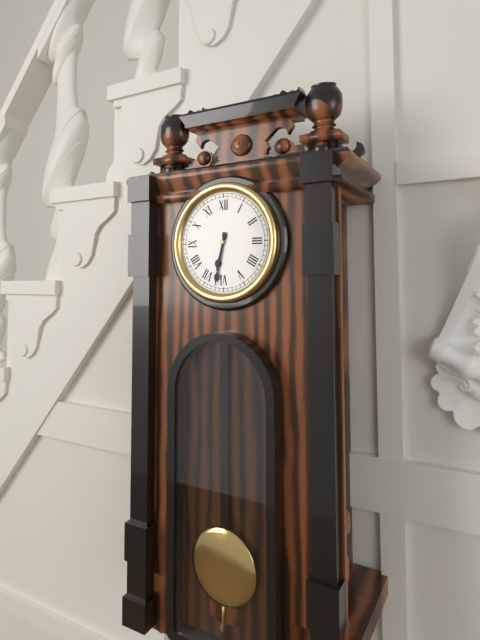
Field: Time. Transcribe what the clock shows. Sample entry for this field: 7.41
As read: 6.32
